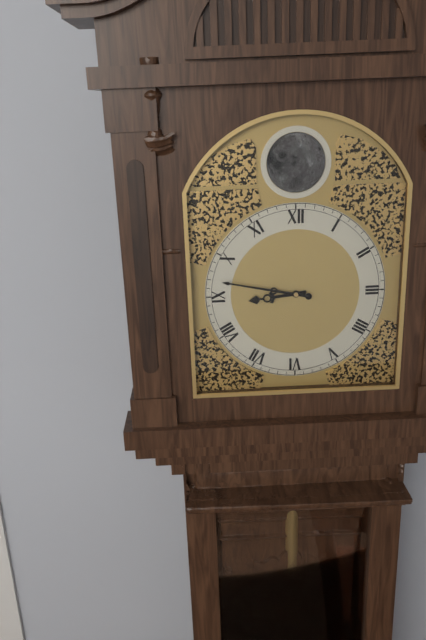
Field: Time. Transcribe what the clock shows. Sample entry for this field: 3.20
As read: 8.47
